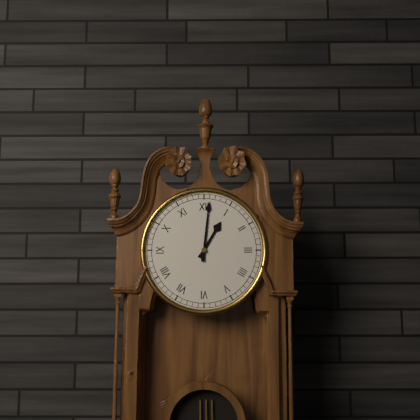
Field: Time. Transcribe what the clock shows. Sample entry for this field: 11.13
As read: 1.01
